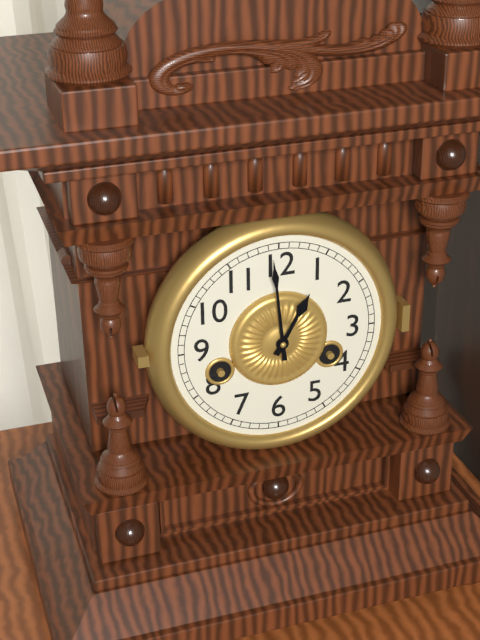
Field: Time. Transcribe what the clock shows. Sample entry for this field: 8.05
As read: 12.59
